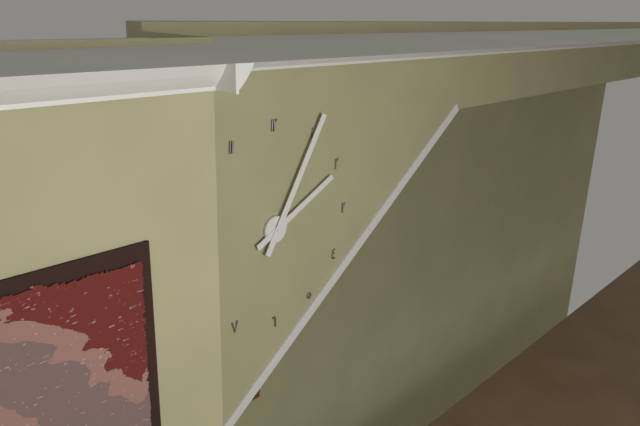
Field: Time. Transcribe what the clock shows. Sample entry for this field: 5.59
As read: 2.05
